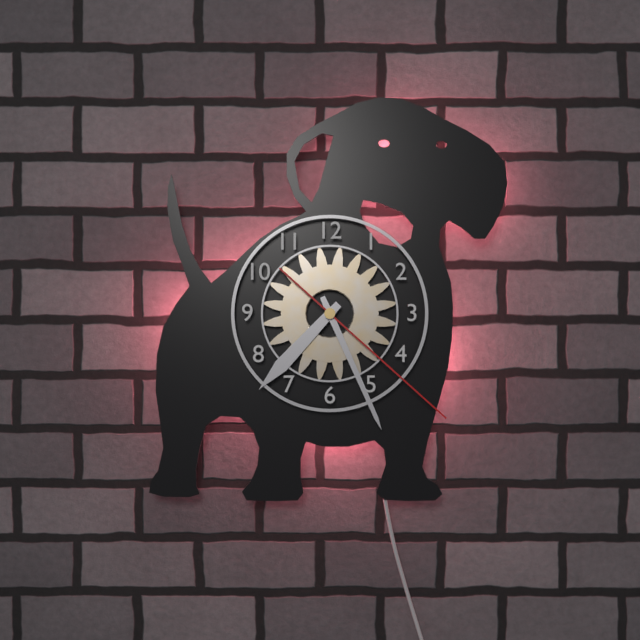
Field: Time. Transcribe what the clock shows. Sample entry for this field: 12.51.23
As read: 7.26.22
